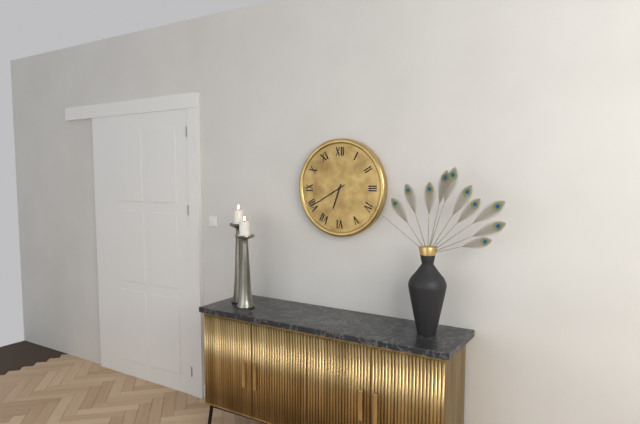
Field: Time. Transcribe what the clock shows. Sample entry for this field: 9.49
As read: 6.40
